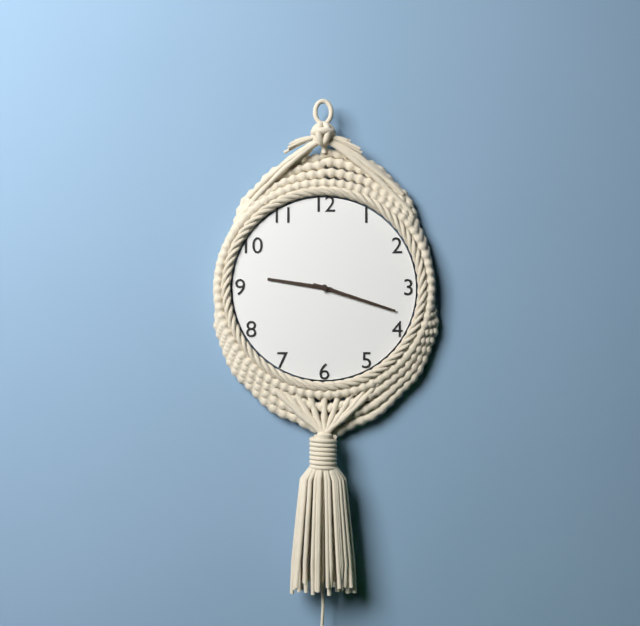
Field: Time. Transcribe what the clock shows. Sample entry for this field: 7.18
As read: 9.18
